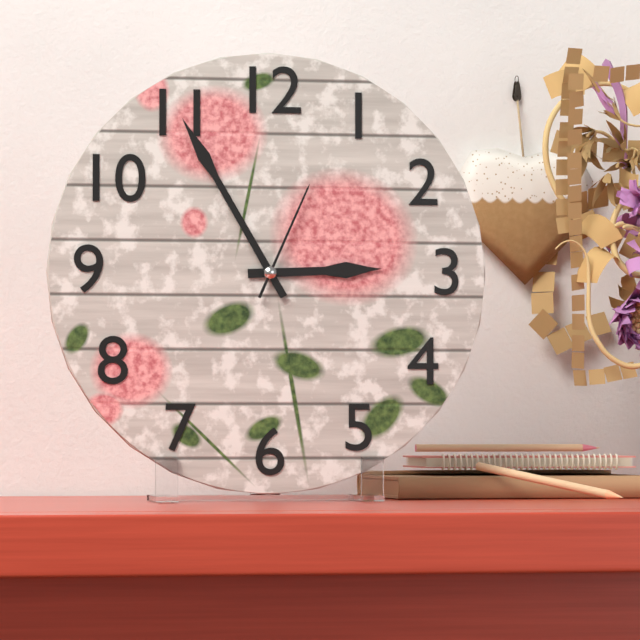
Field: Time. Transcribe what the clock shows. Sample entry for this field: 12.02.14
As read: 2.55.04
